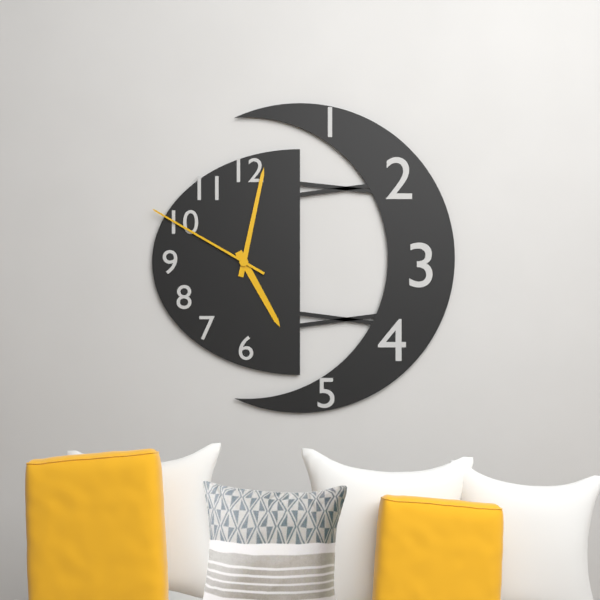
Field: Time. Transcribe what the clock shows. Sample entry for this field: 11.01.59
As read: 5.02.50
